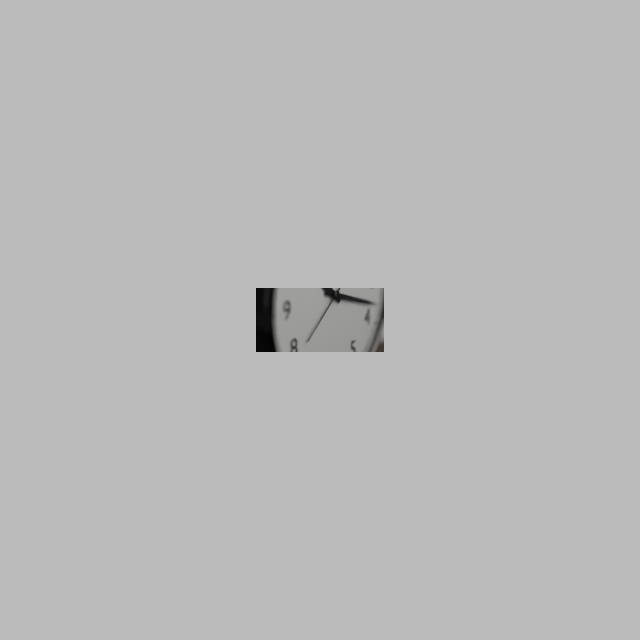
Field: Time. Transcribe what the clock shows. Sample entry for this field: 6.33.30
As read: 10.18.39
